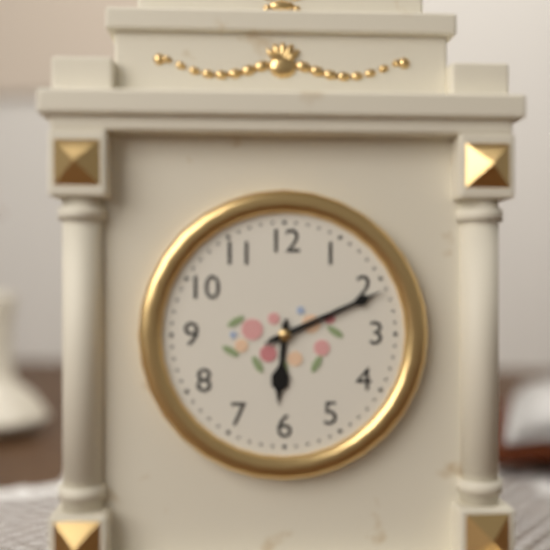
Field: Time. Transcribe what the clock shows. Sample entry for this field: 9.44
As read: 6.11
